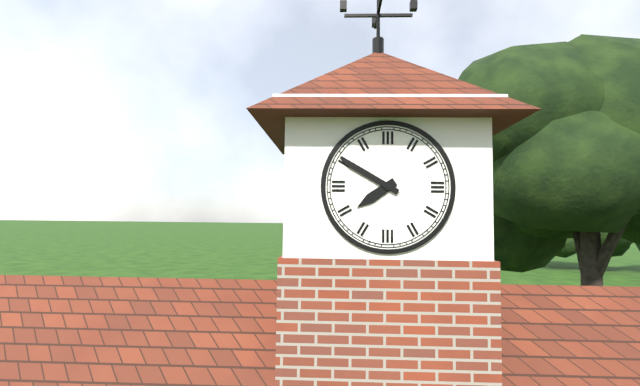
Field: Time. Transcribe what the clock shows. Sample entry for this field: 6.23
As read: 7.50
